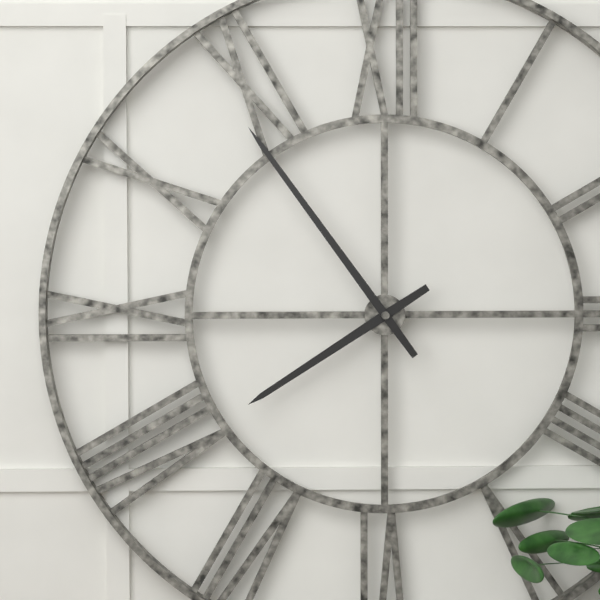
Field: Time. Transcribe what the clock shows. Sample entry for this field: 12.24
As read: 7.54
